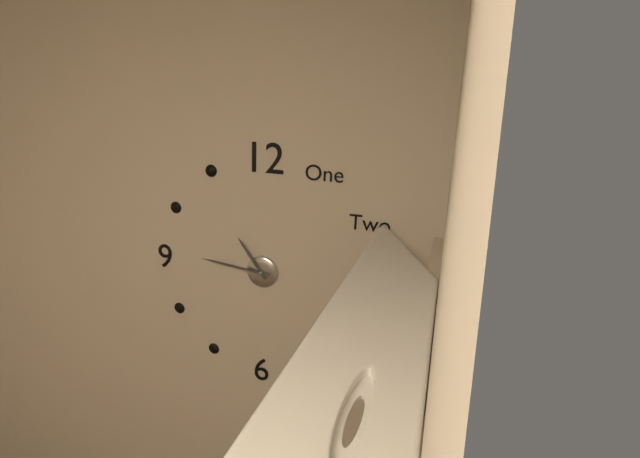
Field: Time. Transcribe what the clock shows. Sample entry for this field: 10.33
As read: 10.46
